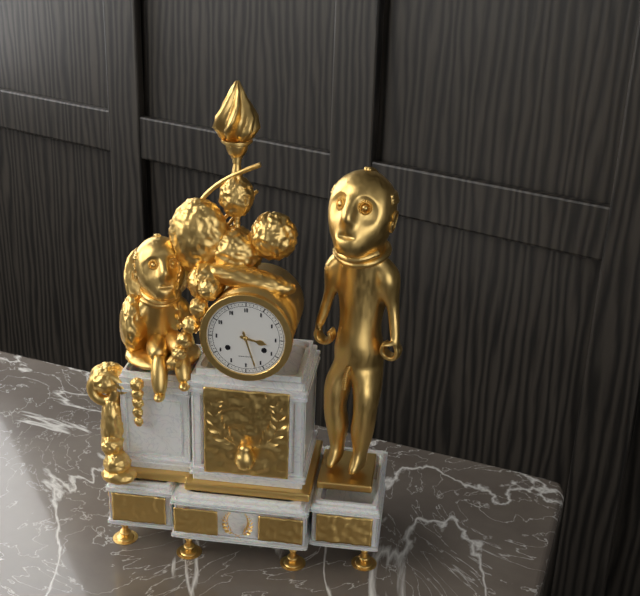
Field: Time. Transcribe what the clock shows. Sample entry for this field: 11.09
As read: 3.27
